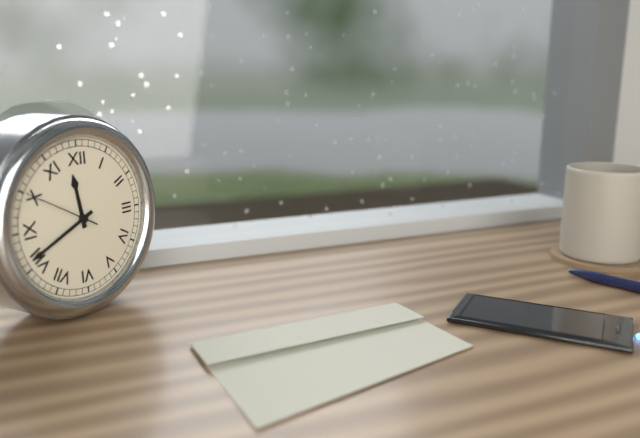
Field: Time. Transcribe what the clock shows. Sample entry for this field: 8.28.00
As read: 11.41.50
